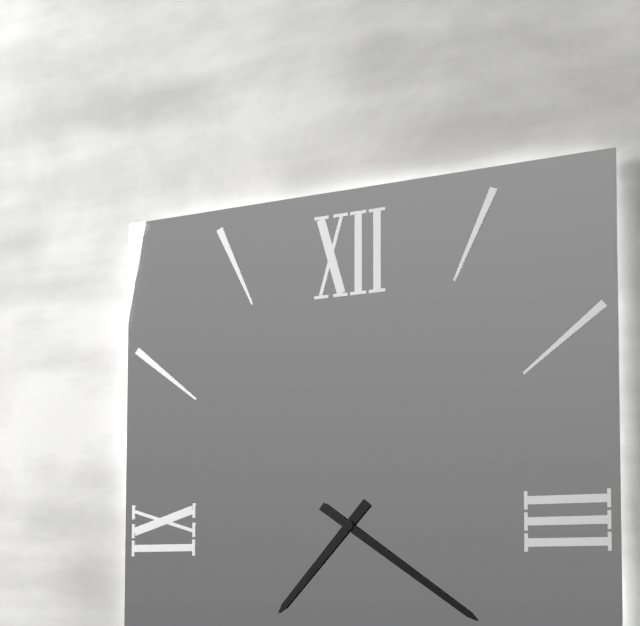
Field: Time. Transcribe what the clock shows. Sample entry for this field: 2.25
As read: 7.21
